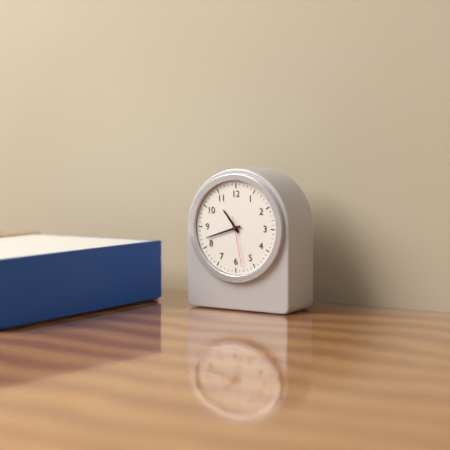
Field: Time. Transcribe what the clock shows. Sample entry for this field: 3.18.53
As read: 10.42.28
